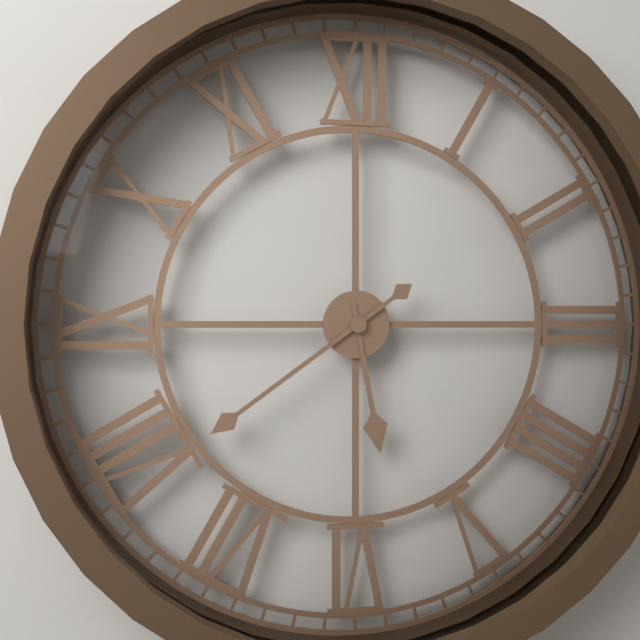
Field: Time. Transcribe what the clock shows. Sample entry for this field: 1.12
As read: 5.39
